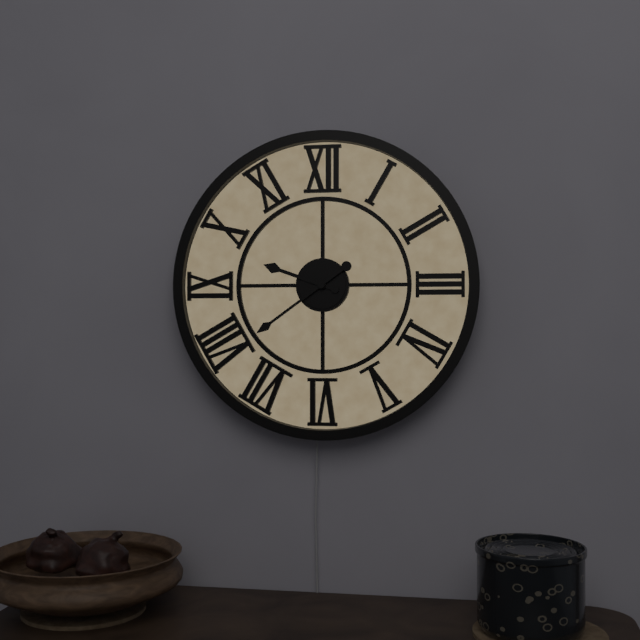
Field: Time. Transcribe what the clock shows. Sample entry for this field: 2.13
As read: 9.39
